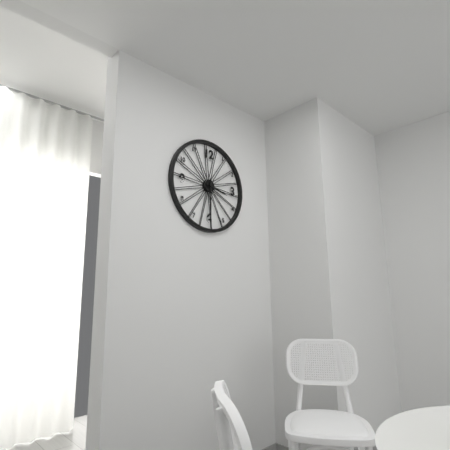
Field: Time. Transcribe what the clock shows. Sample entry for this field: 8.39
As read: 3.30
